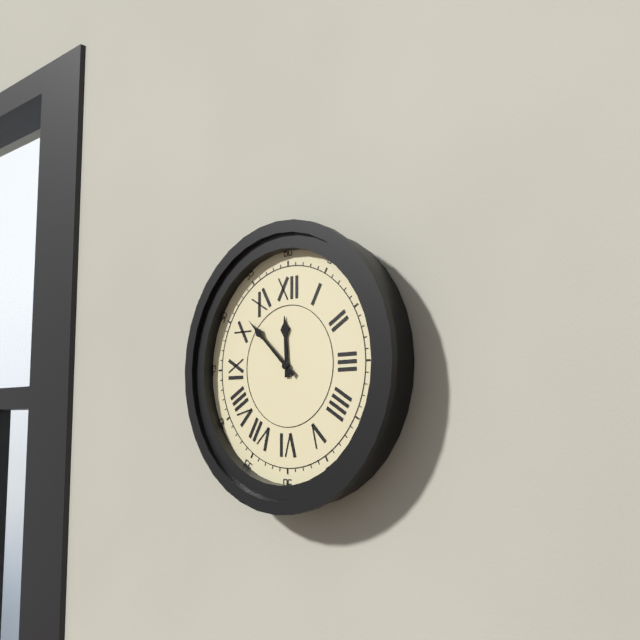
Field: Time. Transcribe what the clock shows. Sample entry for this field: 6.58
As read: 11.52
